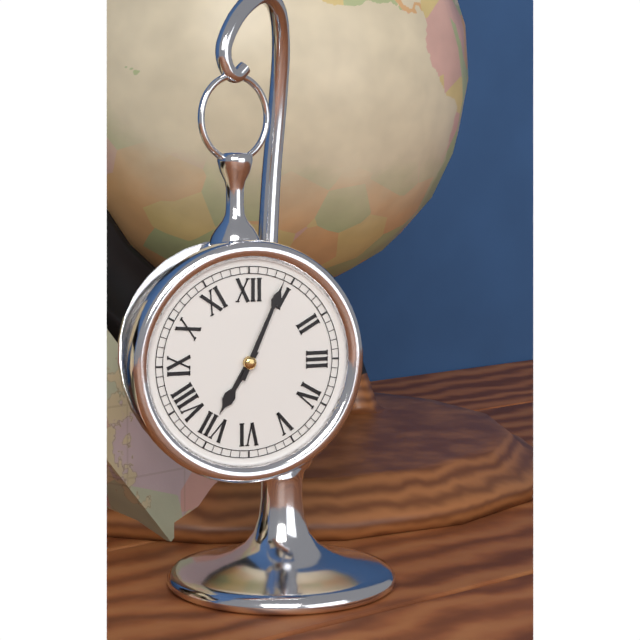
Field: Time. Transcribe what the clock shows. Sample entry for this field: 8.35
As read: 7.04
